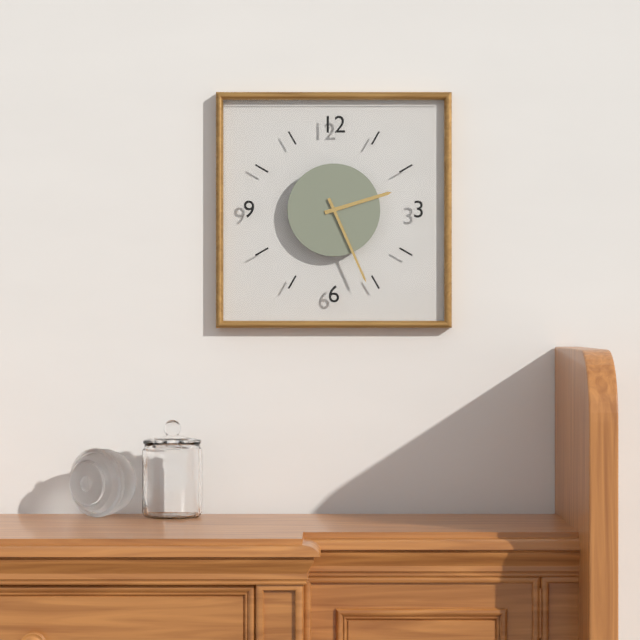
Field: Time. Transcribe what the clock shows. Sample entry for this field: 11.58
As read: 2.26
